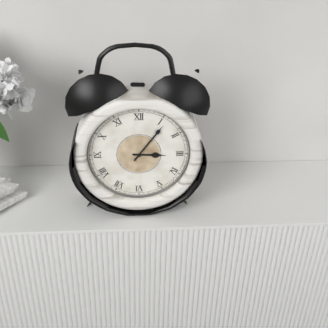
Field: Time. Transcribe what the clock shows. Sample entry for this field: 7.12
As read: 3.06
